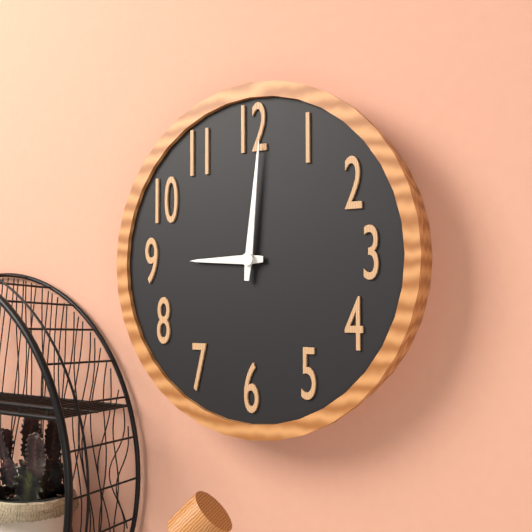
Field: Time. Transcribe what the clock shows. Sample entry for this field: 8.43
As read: 9.01
